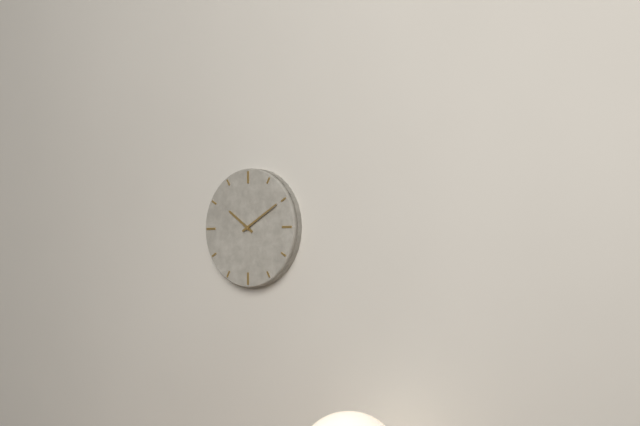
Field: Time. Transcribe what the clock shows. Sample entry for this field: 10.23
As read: 10.10
